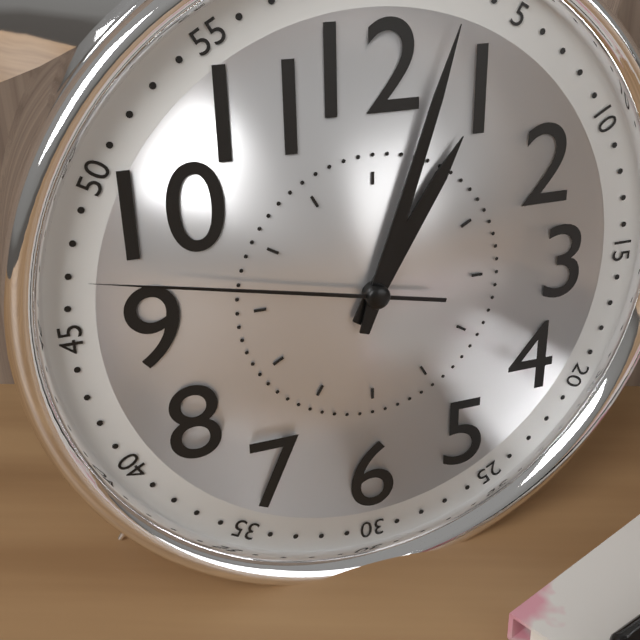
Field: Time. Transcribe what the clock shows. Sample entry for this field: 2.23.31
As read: 1.03.47
